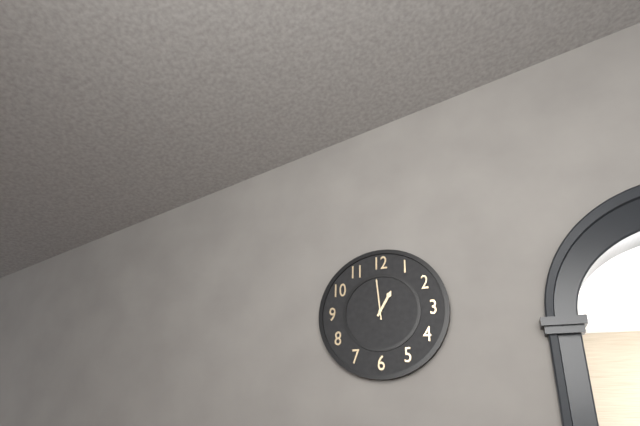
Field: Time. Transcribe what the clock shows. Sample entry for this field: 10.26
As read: 12.59
